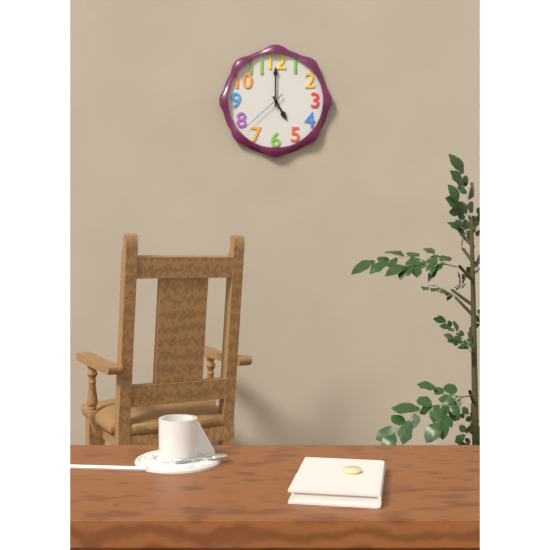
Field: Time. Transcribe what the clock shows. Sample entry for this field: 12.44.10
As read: 5.00.38
